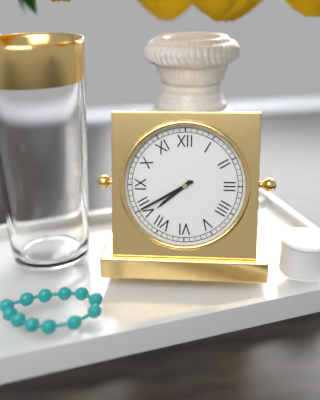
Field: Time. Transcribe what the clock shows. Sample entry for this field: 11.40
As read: 7.40
